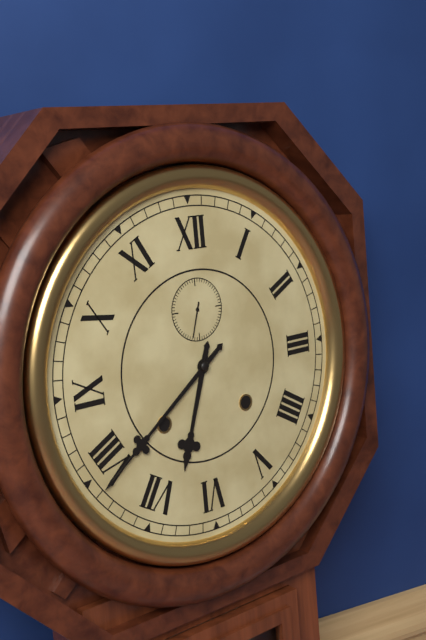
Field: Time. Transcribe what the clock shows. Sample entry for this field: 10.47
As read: 6.39
